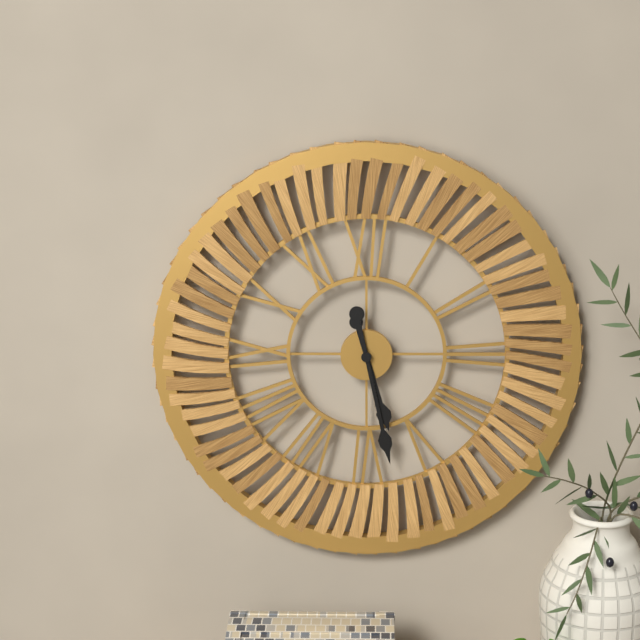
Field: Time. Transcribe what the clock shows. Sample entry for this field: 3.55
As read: 5.28
